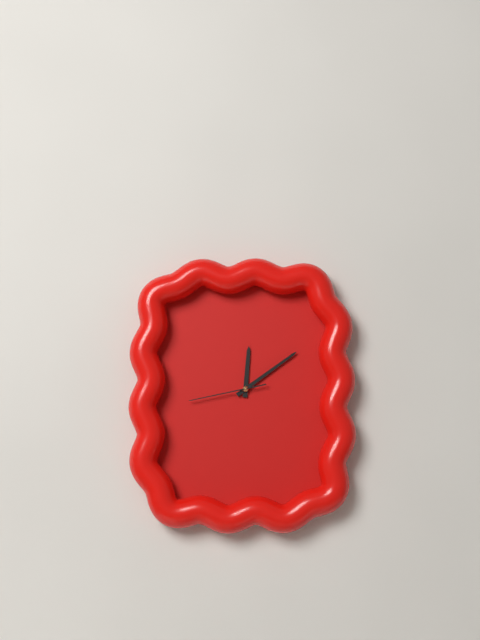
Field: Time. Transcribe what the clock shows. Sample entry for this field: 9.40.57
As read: 12.09.43
